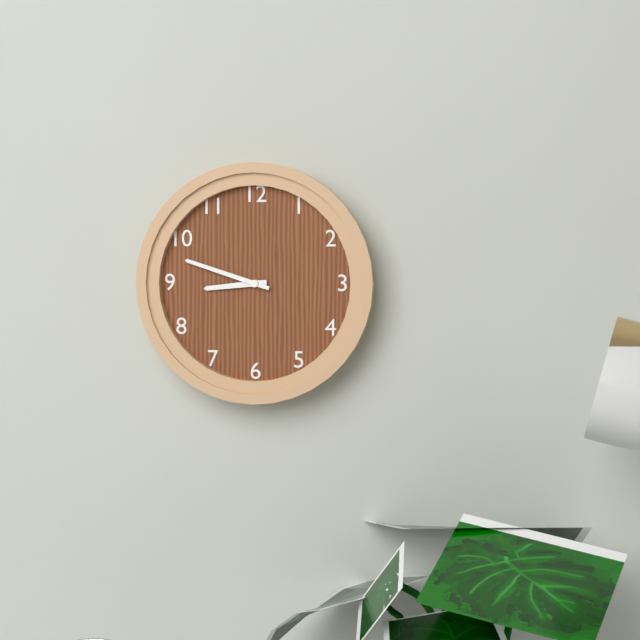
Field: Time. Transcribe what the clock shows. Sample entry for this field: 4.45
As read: 8.48
